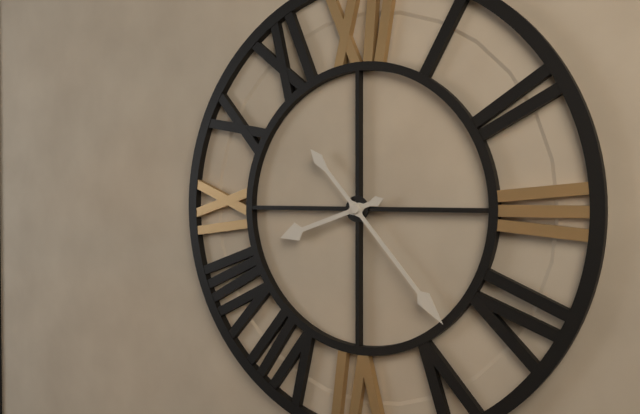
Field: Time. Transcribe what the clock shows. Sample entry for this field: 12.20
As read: 8.23
